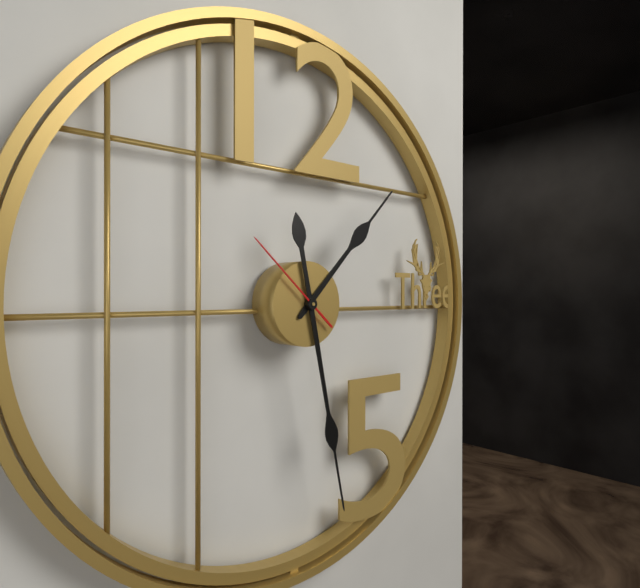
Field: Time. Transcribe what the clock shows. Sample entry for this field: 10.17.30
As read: 1.28.52
